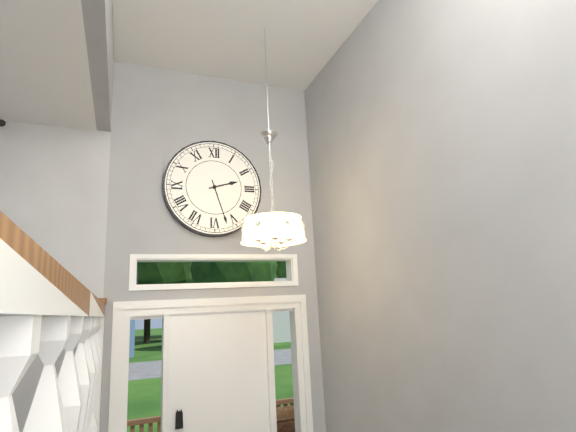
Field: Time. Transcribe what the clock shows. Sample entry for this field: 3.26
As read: 2.27
